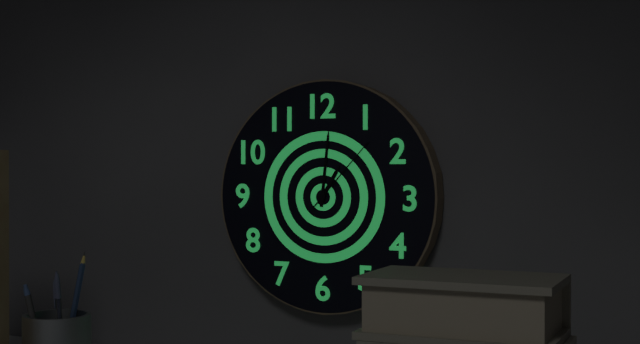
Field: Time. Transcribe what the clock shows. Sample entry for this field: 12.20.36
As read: 1.01.07
